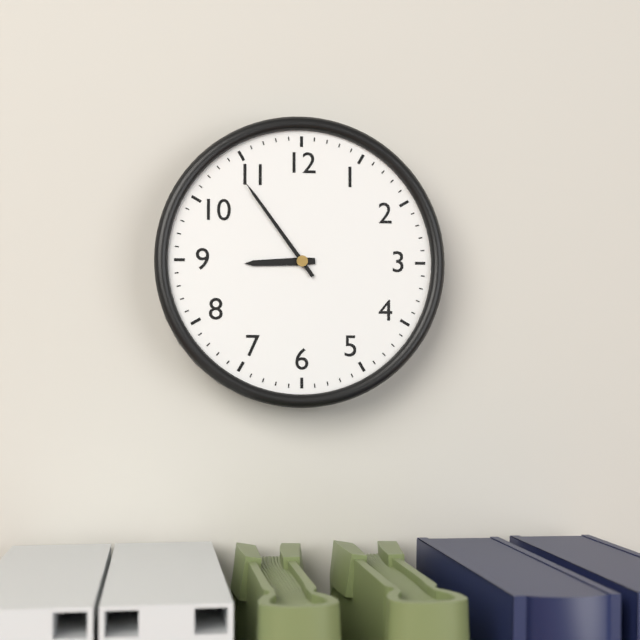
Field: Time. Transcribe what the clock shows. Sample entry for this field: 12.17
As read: 8.54
